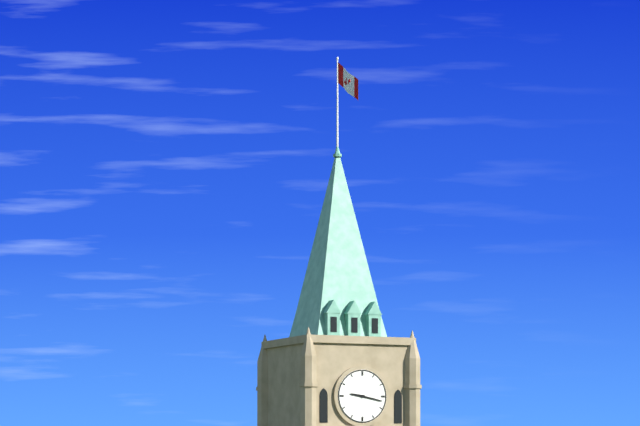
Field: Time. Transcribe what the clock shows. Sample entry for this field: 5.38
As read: 9.17
